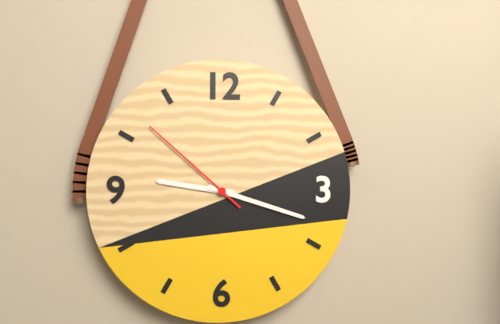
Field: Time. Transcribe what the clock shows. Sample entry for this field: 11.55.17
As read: 9.18.52
